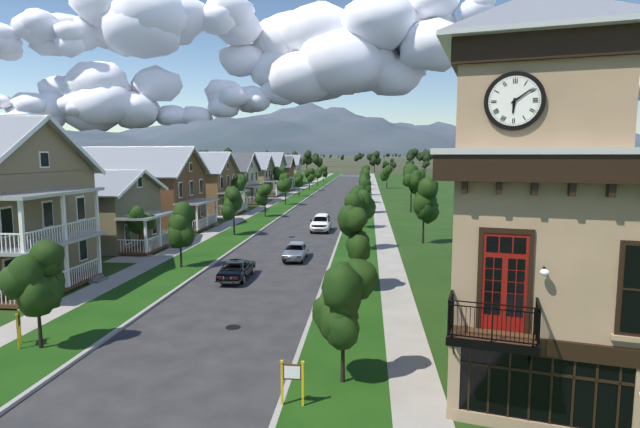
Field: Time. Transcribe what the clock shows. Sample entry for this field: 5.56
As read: 6.09
